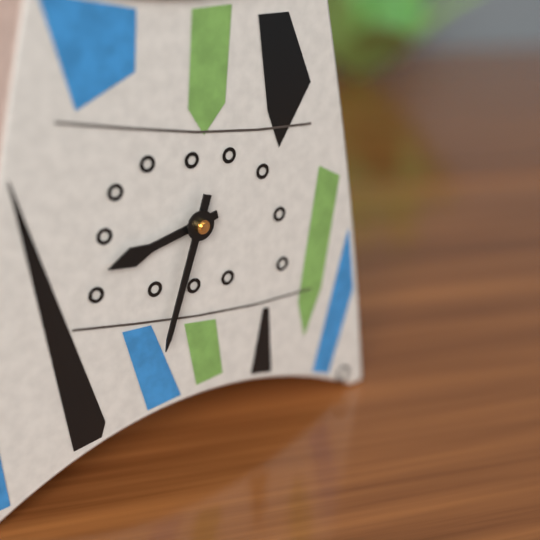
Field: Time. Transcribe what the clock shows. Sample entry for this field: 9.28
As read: 8.33
